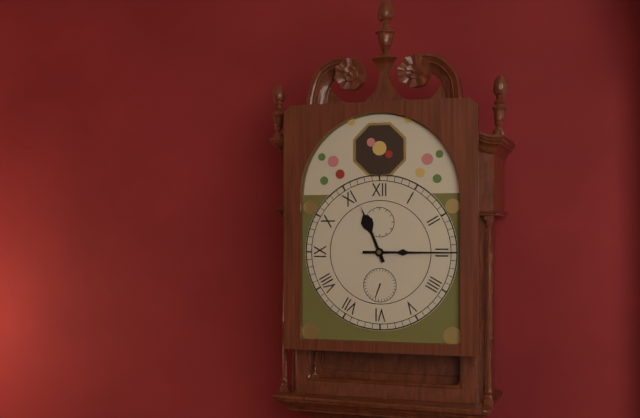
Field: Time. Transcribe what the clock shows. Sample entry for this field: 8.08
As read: 11.15
